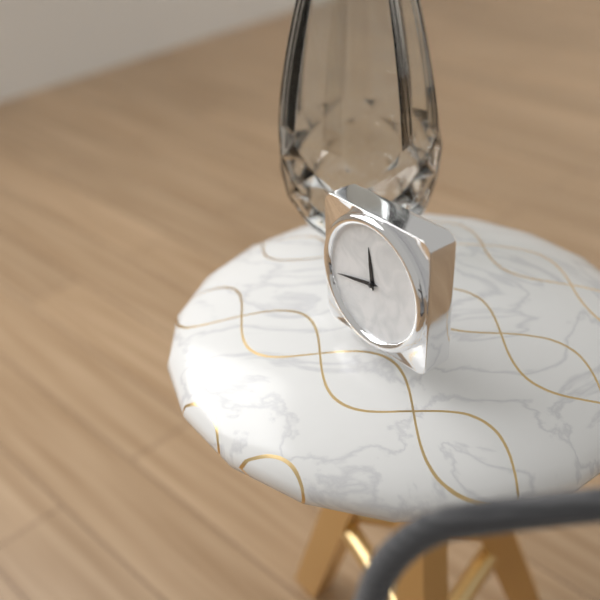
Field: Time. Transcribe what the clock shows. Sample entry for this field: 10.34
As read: 11.43
